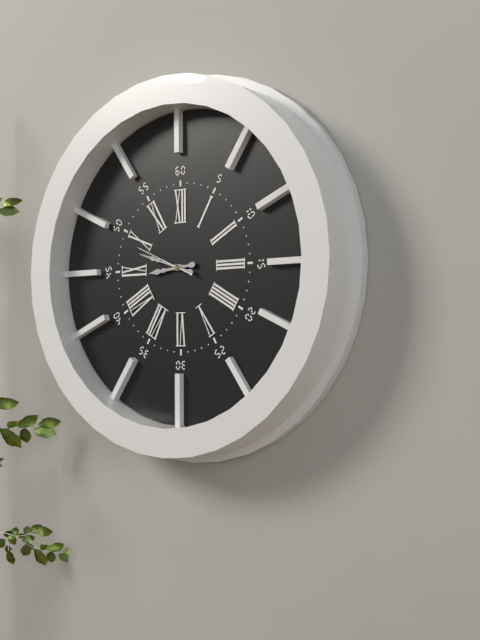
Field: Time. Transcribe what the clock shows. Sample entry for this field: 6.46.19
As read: 8.48.49
